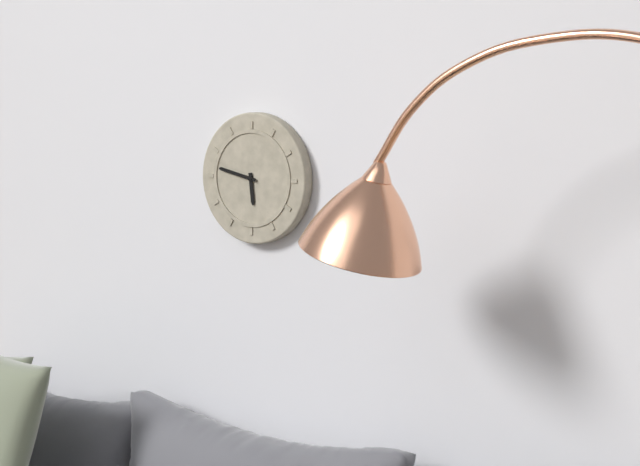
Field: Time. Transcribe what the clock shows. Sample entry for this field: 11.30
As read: 5.47
